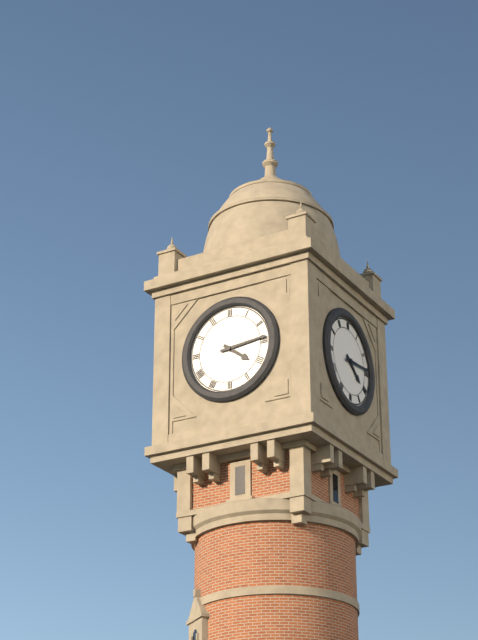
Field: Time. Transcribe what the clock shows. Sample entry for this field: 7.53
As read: 4.14
